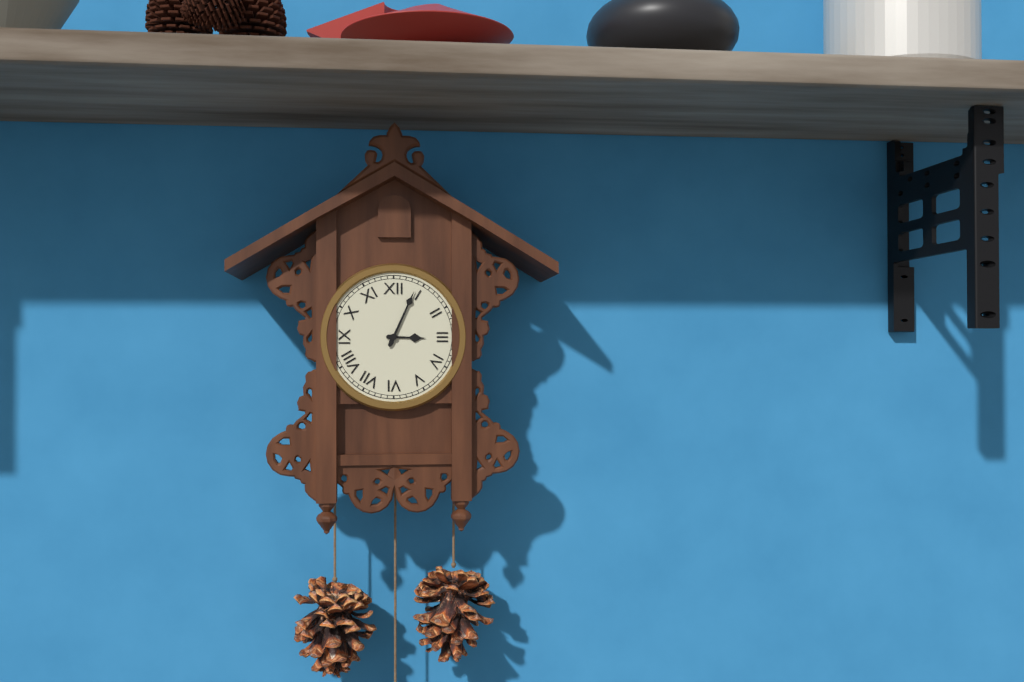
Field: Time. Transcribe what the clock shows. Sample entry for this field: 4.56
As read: 3.04
